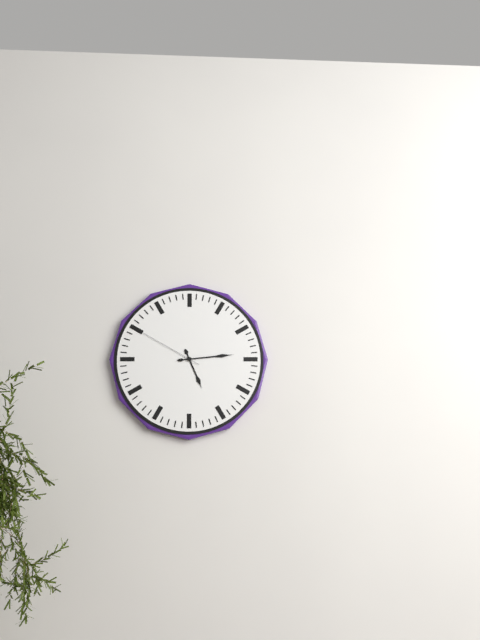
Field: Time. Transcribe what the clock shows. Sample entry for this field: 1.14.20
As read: 5.14.50
